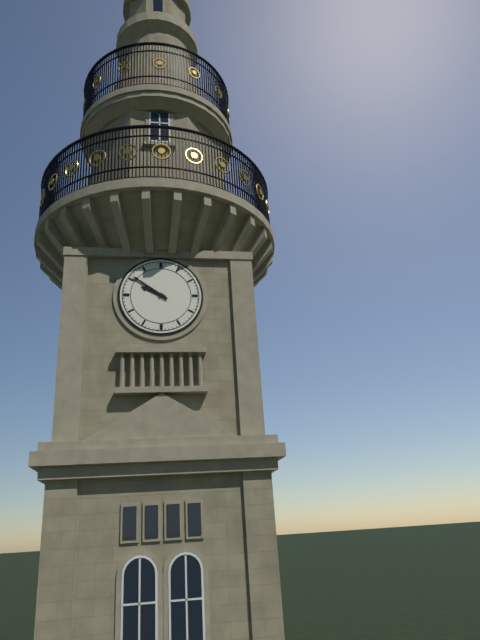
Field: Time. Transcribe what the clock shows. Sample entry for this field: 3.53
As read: 9.51
